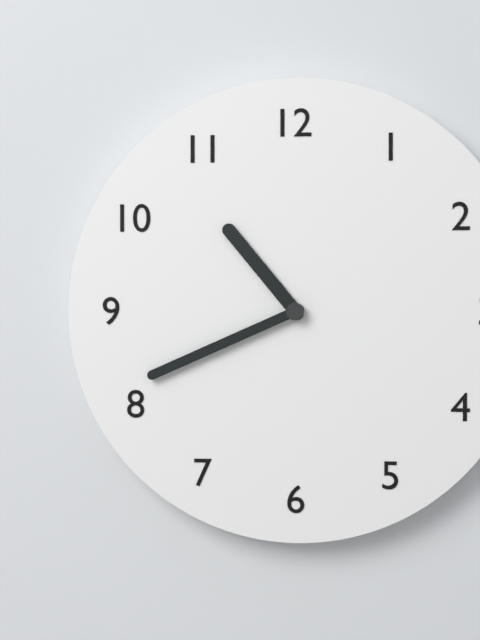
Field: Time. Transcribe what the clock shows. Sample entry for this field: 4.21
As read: 10.41
